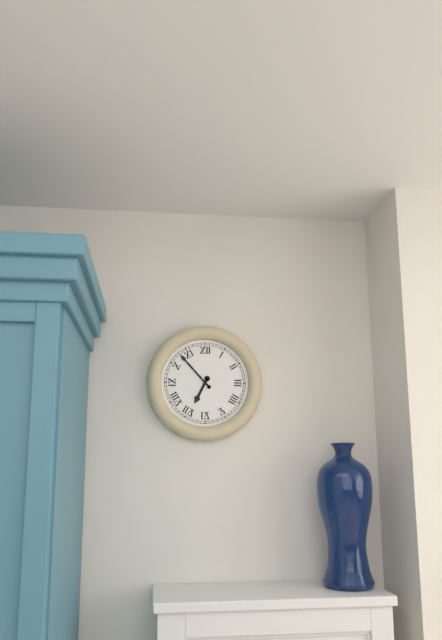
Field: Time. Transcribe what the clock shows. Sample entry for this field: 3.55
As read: 6.53
